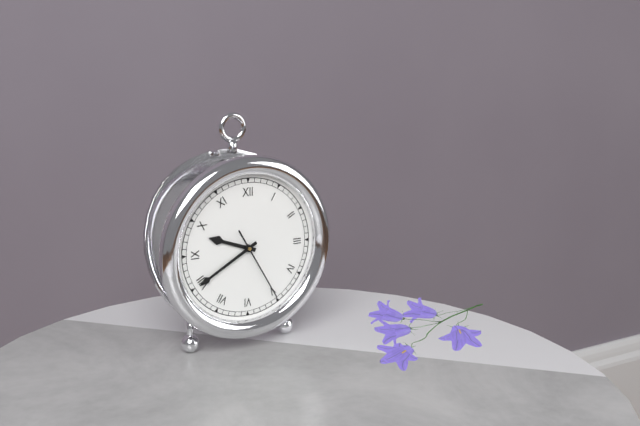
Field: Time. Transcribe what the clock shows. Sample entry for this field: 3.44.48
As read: 9.40.25
